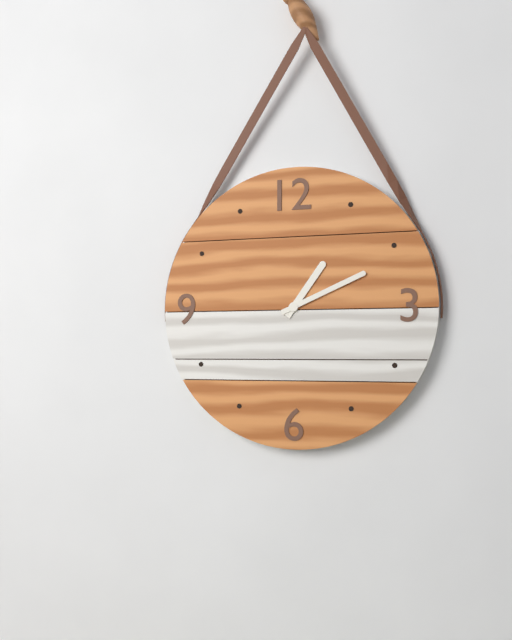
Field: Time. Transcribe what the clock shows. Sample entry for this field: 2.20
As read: 1.11
